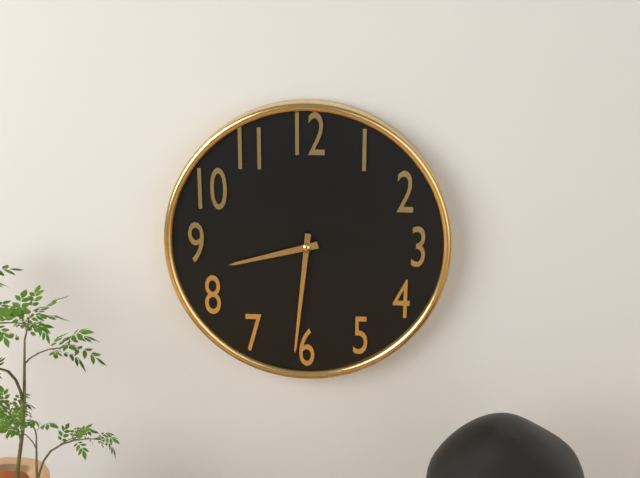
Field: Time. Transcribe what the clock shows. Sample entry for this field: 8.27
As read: 8.31
